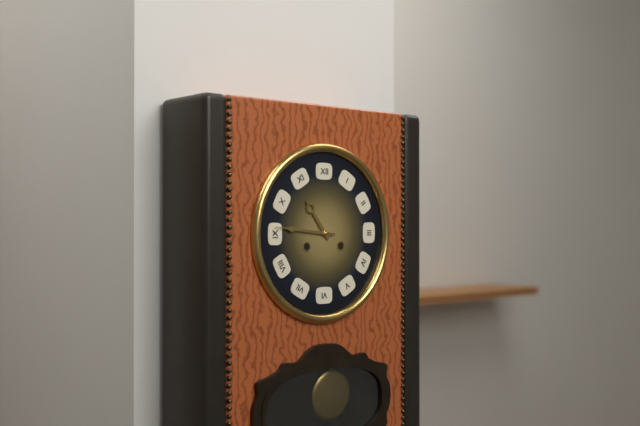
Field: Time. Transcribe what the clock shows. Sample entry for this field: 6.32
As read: 10.46
